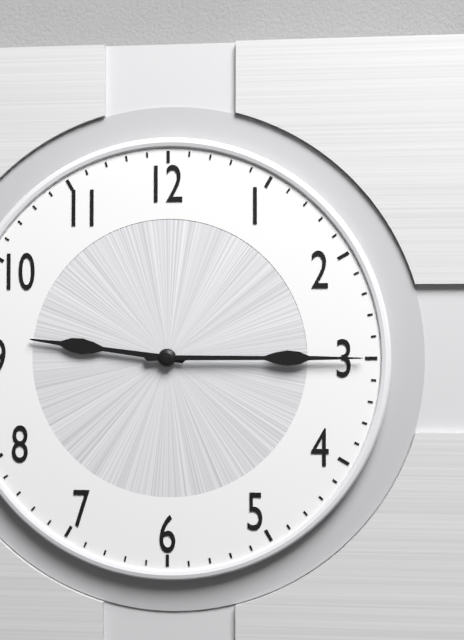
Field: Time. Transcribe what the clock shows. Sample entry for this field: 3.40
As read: 9.15
